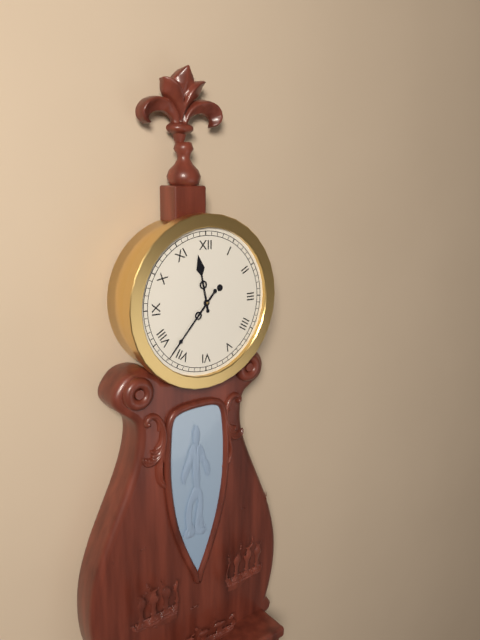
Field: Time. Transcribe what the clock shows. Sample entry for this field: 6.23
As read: 11.37
